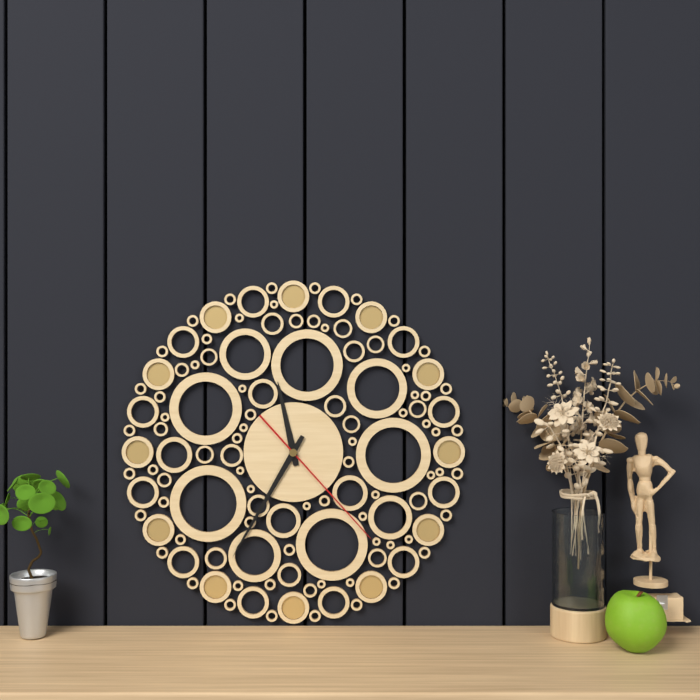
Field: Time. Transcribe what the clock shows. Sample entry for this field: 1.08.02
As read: 11.35.23
